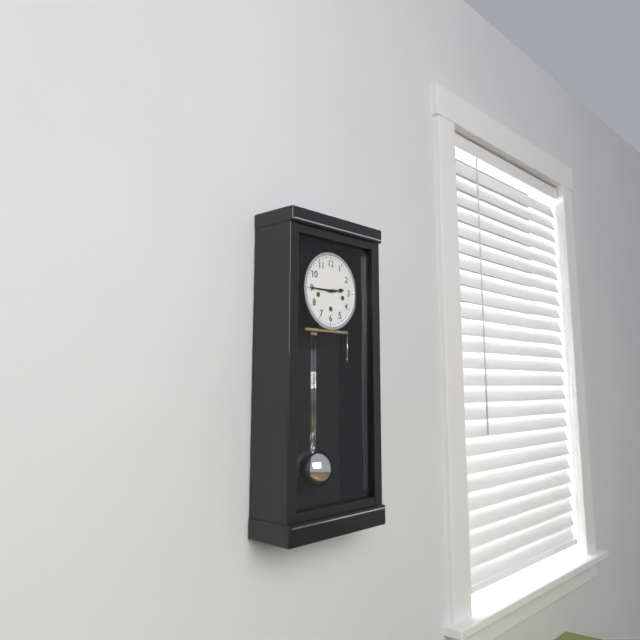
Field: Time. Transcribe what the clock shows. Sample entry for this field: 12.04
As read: 2.45
